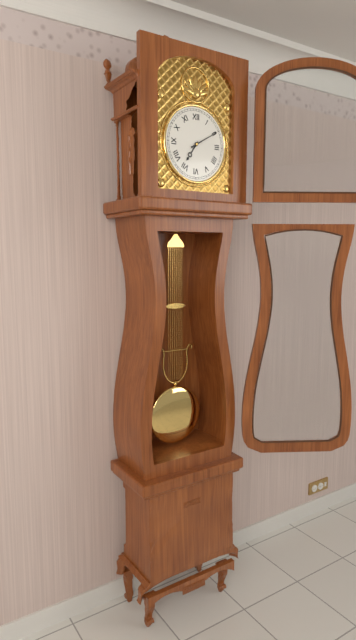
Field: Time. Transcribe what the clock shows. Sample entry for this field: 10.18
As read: 7.10
